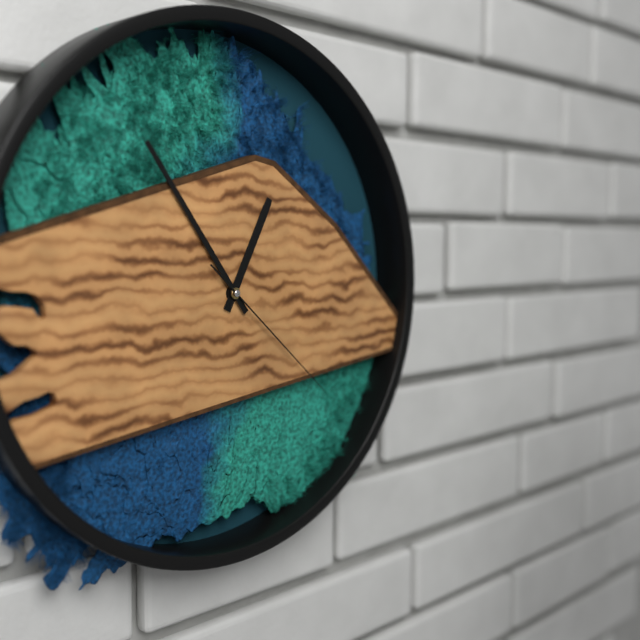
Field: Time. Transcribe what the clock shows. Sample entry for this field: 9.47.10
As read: 12.54.22
